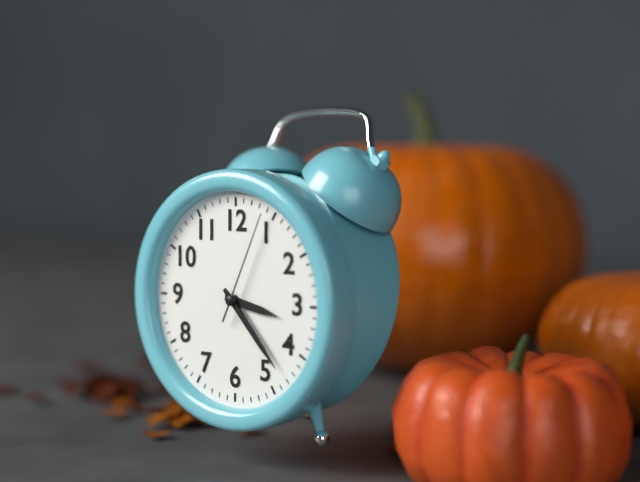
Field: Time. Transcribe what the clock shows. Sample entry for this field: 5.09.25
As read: 3.23.04
